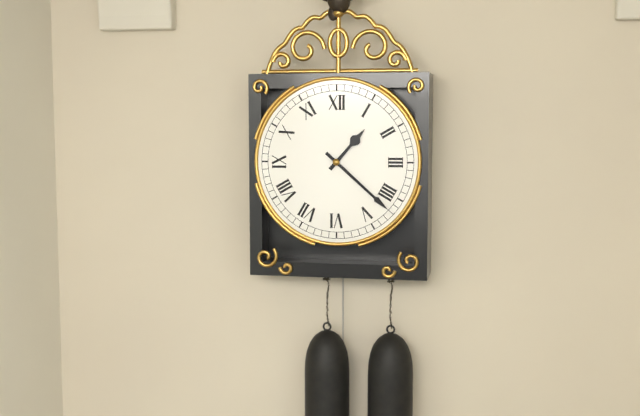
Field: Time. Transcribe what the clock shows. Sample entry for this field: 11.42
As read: 1.22
